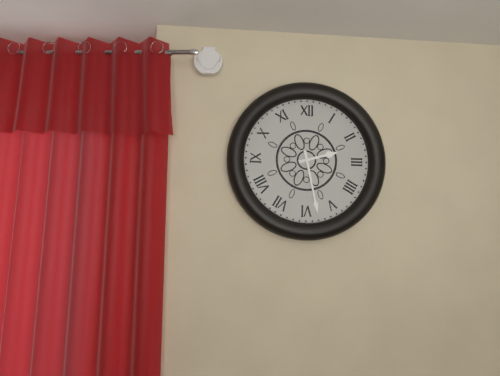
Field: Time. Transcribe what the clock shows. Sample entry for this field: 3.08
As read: 2.28
